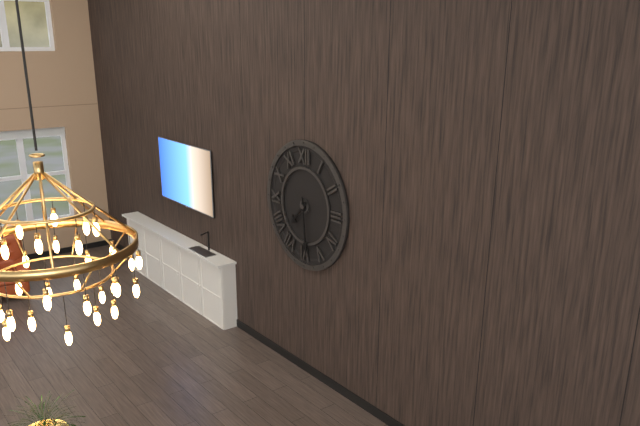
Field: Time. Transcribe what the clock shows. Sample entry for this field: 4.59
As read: 7.29
